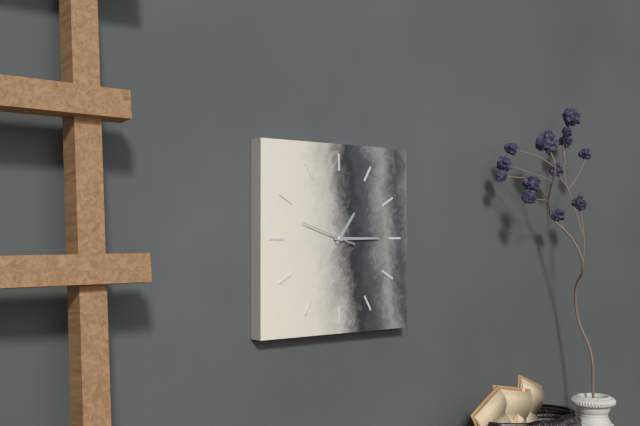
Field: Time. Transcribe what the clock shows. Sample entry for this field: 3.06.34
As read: 1.15.48
